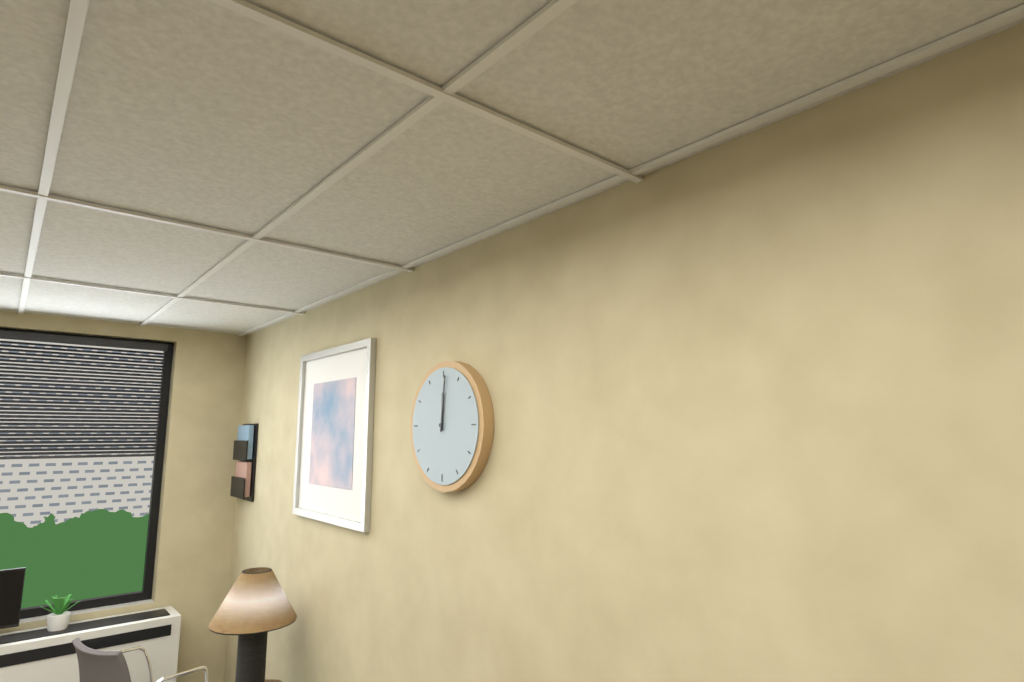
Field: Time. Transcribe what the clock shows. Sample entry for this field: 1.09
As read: 12.01
